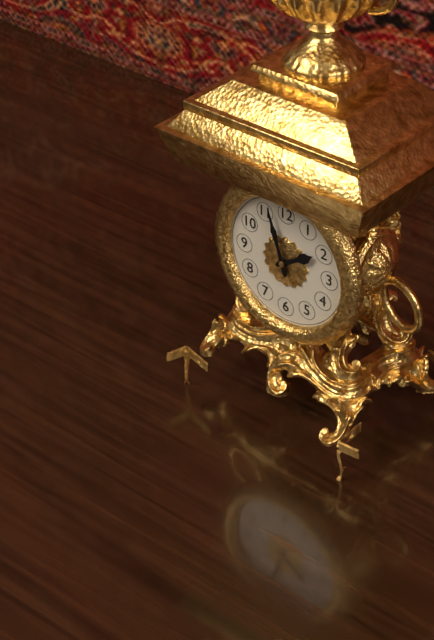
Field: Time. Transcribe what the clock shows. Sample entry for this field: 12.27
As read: 1.57
